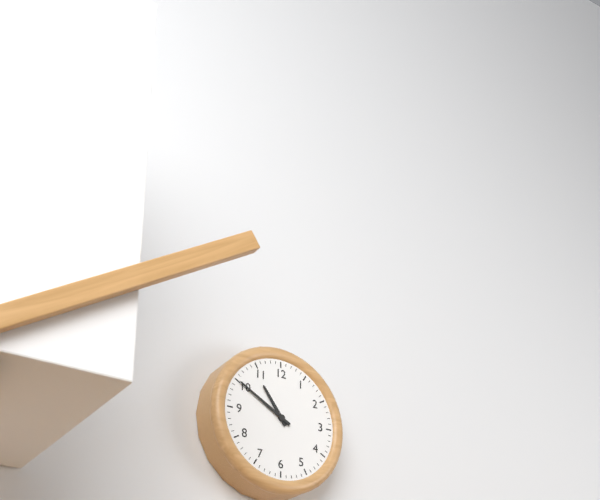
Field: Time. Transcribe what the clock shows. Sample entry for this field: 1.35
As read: 10.50
